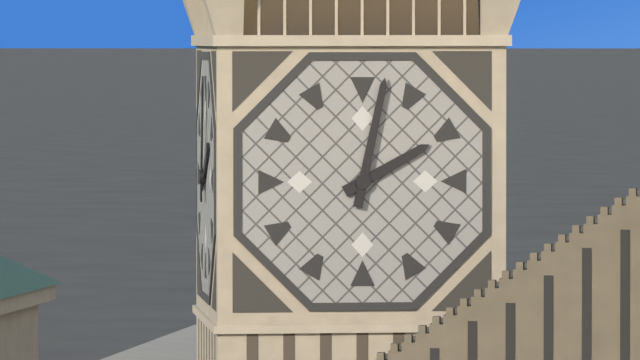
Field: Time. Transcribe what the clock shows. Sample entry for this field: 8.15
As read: 2.02
